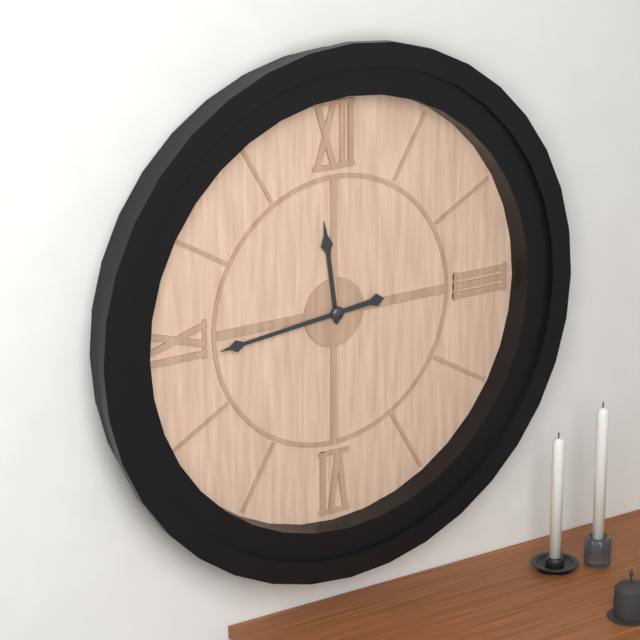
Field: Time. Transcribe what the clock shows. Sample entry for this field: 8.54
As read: 11.44
